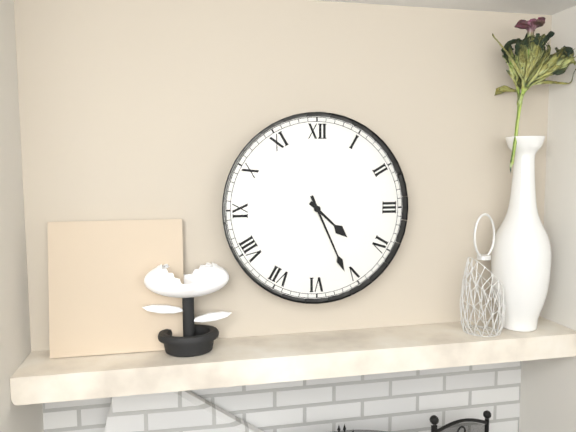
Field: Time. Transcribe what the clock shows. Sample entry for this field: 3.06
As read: 4.26
